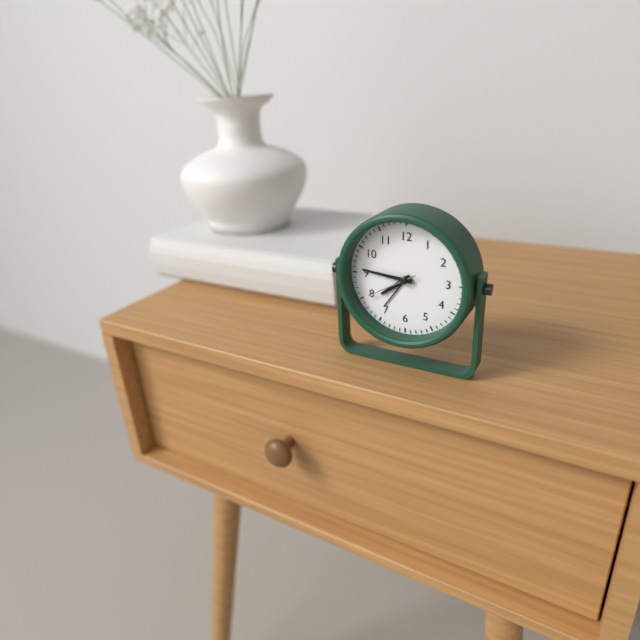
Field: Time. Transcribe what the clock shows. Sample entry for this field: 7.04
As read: 7.46
